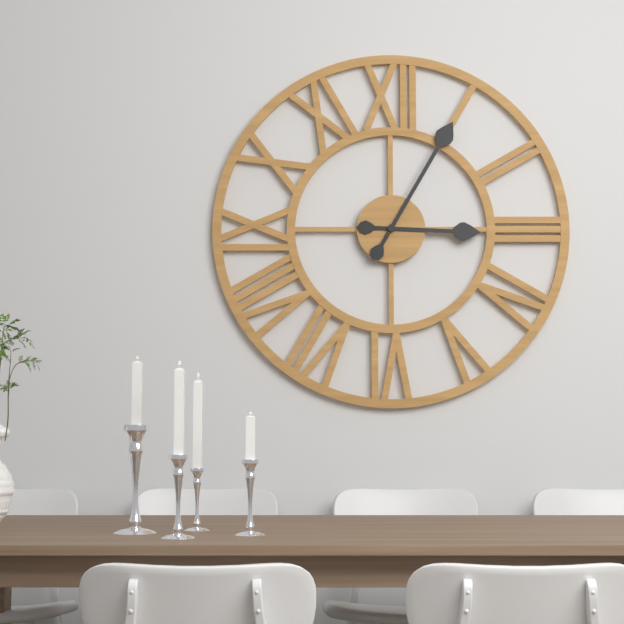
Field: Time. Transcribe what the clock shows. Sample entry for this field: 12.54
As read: 3.05
